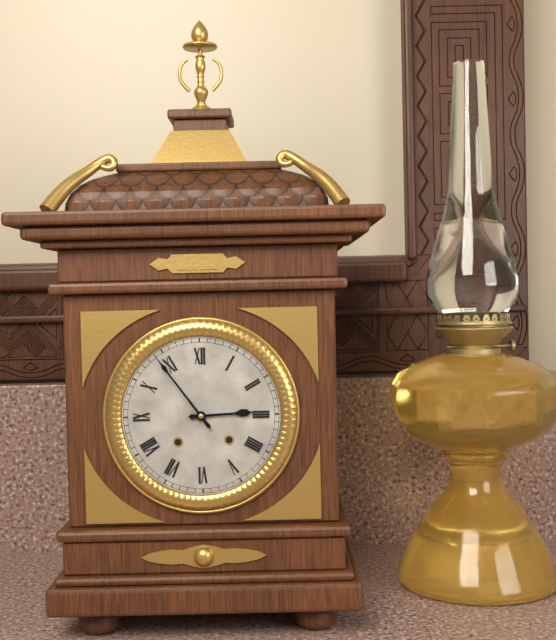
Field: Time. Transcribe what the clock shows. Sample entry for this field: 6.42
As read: 2.54
